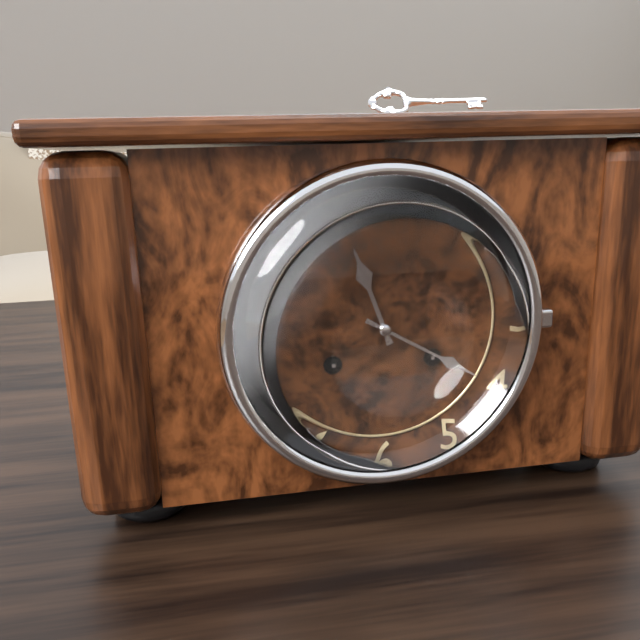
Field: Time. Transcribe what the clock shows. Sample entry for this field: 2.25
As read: 11.20
